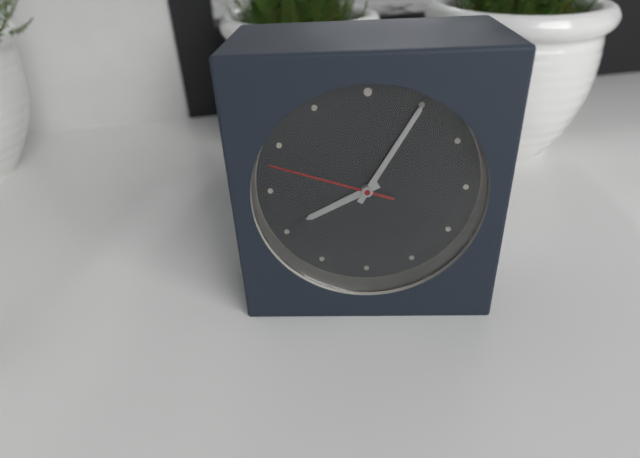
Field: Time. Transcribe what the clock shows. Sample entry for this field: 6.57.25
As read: 8.05.48
